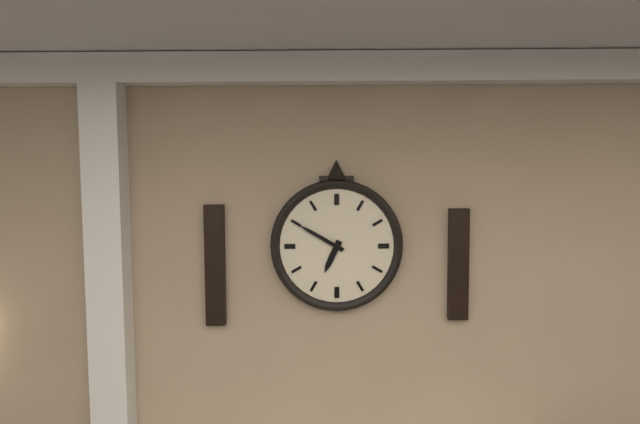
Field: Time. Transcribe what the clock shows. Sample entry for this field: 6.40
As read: 6.50
